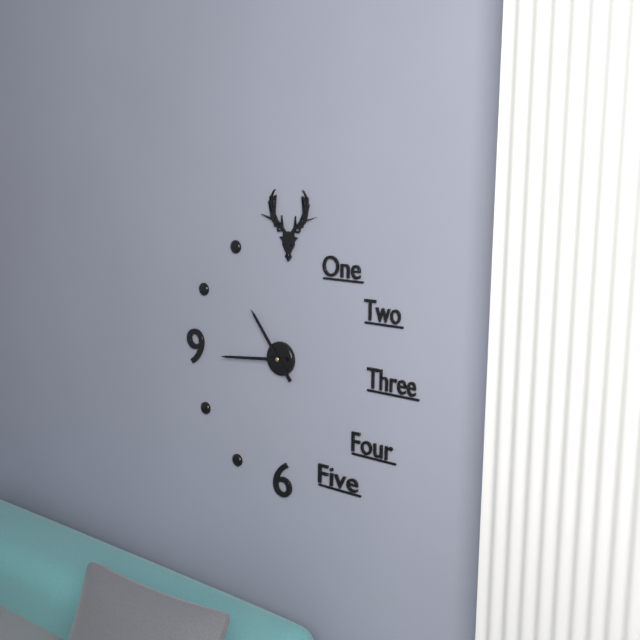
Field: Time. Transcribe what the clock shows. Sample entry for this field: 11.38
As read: 10.44
